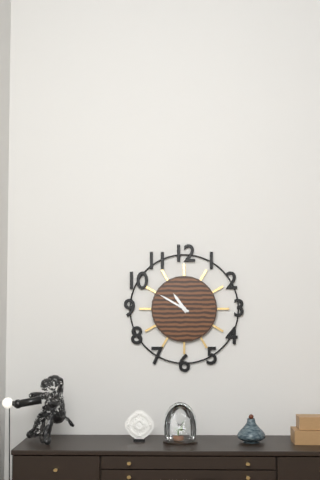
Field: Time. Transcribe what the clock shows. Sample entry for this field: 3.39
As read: 10.50
